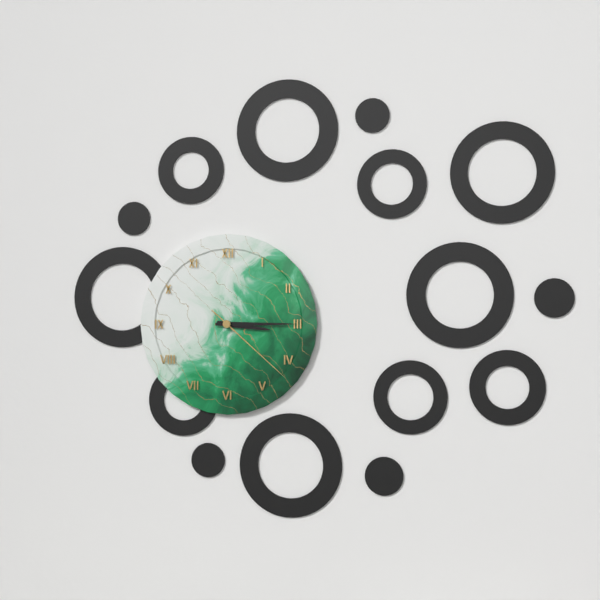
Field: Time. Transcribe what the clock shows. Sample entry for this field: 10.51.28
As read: 3.15.22
